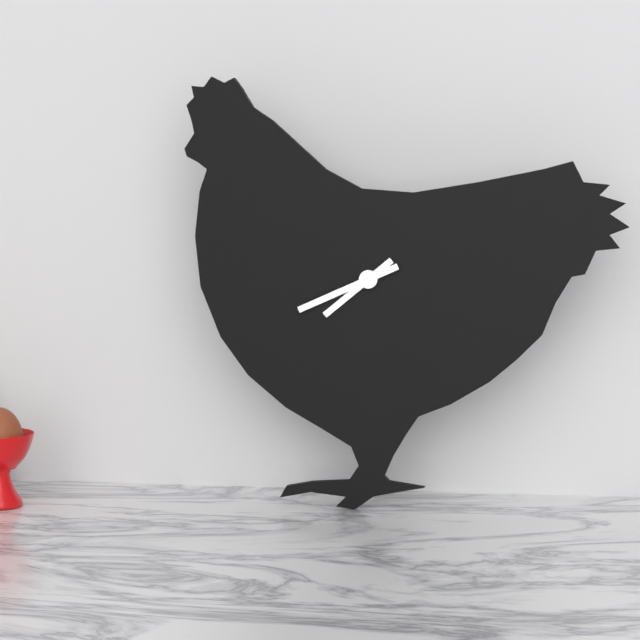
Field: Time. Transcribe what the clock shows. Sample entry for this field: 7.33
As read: 7.41
